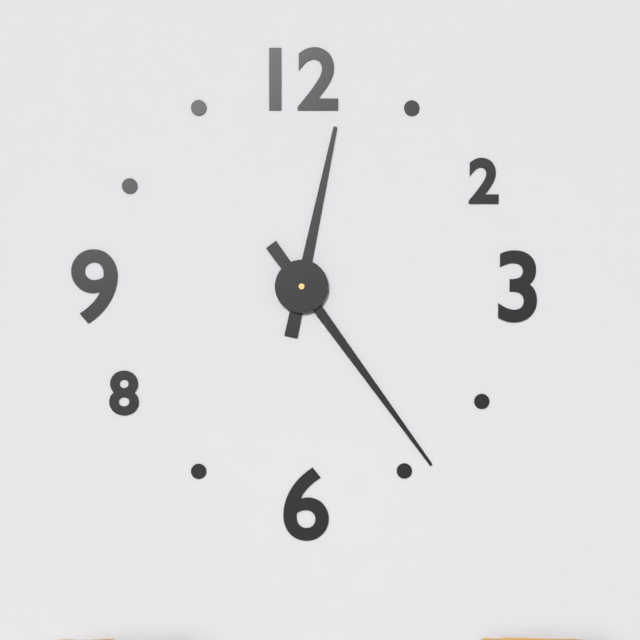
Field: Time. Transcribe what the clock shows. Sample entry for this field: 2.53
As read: 12.24
